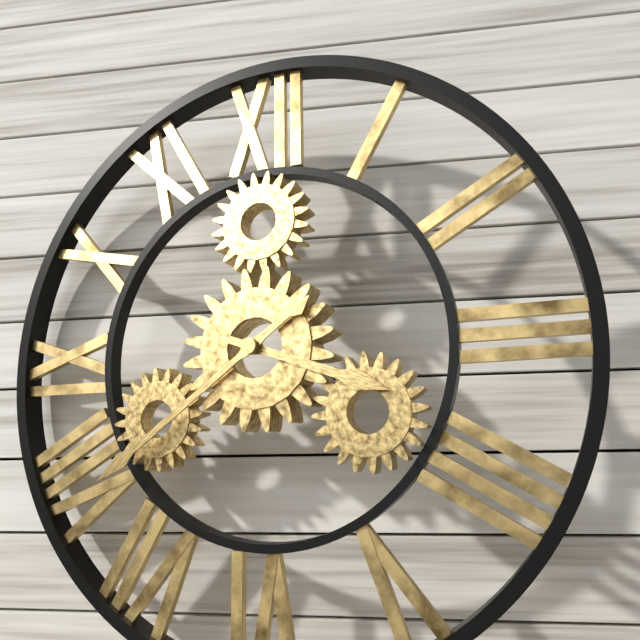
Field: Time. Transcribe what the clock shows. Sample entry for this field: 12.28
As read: 3.39
